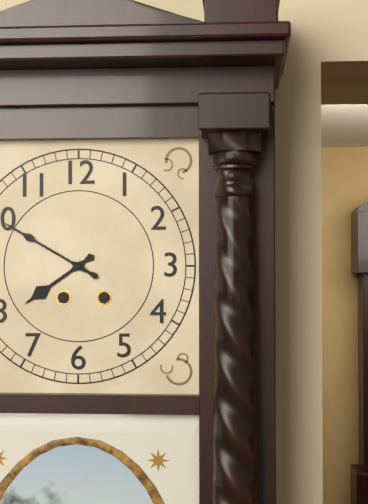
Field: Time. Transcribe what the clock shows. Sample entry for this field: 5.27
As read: 7.50
